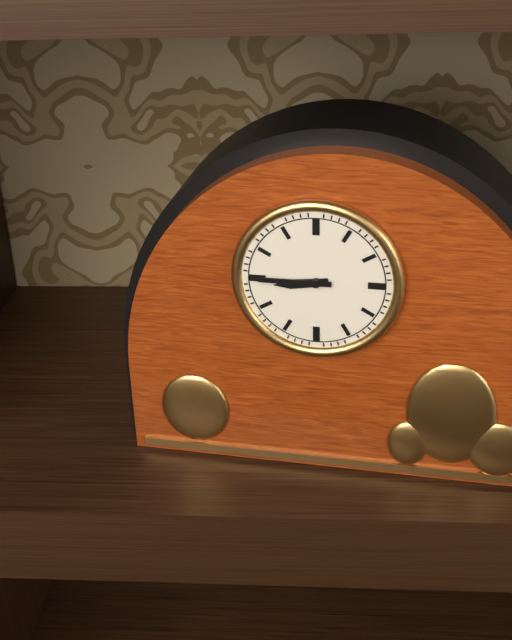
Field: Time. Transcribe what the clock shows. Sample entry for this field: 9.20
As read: 8.45
